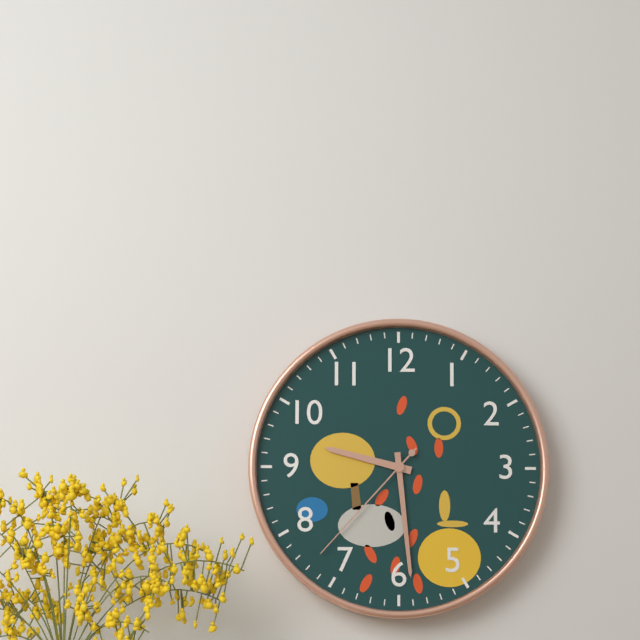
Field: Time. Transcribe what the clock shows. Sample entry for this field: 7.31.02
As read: 9.29.37
